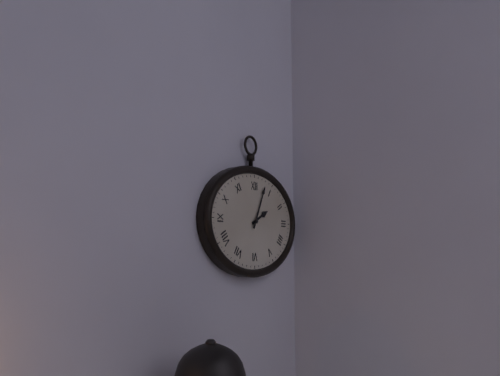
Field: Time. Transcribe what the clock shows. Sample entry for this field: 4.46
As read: 2.04
